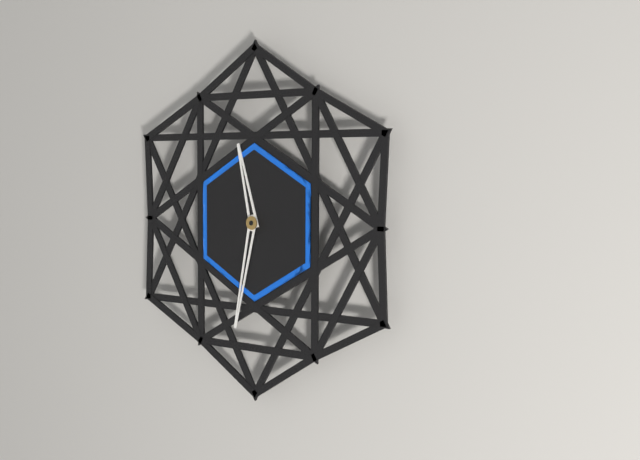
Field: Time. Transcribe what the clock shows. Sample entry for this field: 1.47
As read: 11.32
